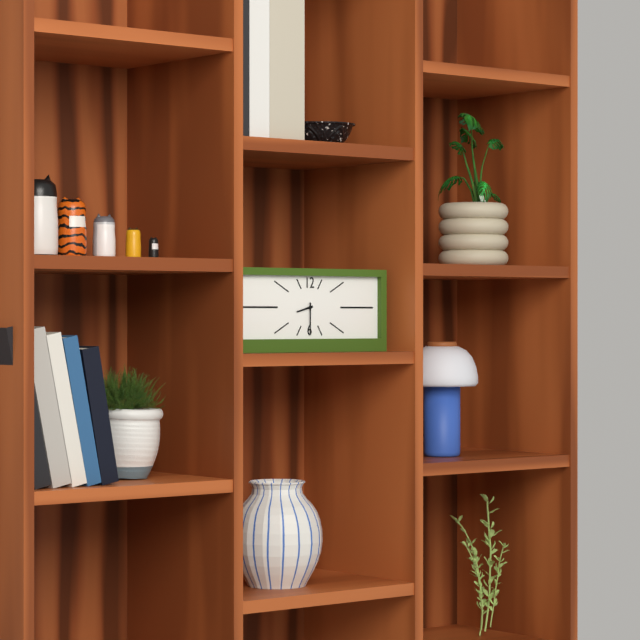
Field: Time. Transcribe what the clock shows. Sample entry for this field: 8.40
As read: 8.30
